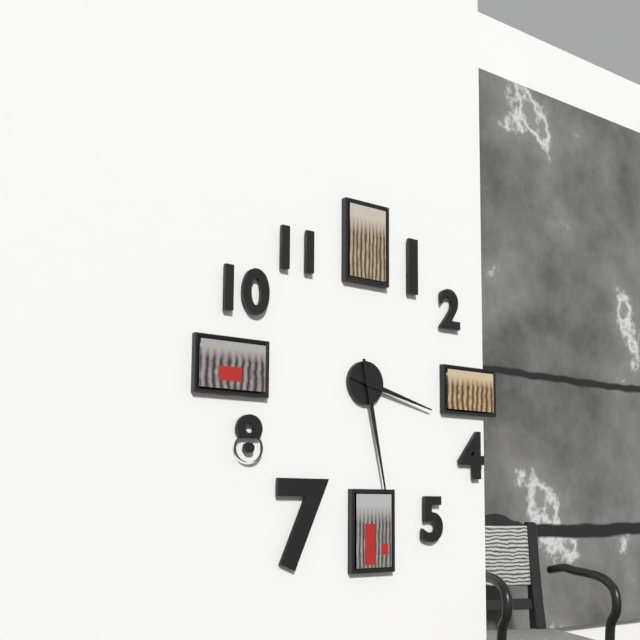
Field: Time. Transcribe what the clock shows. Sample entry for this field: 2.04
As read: 3.28
